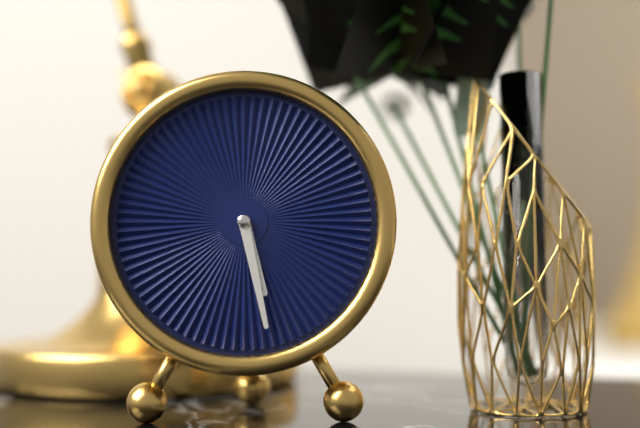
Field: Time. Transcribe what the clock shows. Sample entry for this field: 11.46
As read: 5.28
